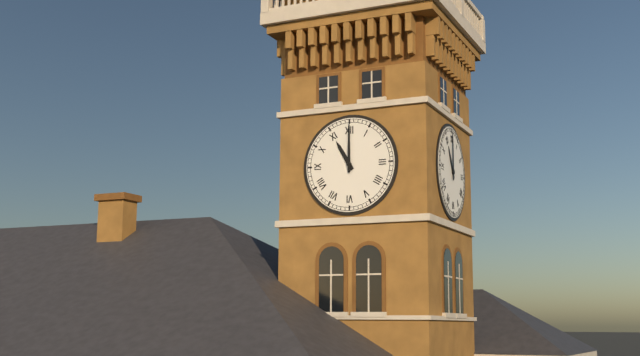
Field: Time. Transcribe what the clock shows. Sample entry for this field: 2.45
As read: 11.00
